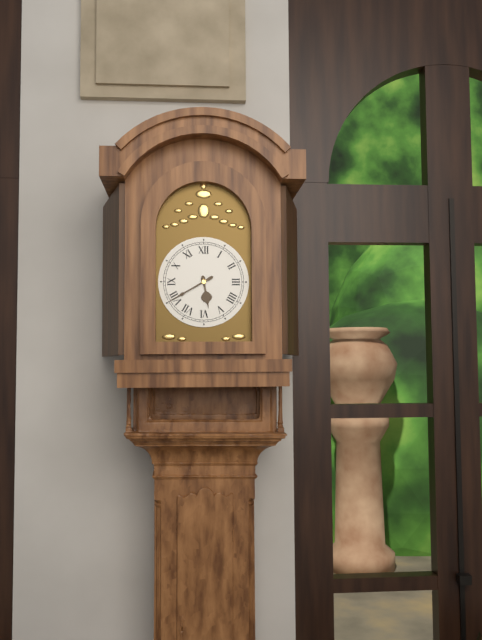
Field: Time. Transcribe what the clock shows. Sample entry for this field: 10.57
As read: 5.40
